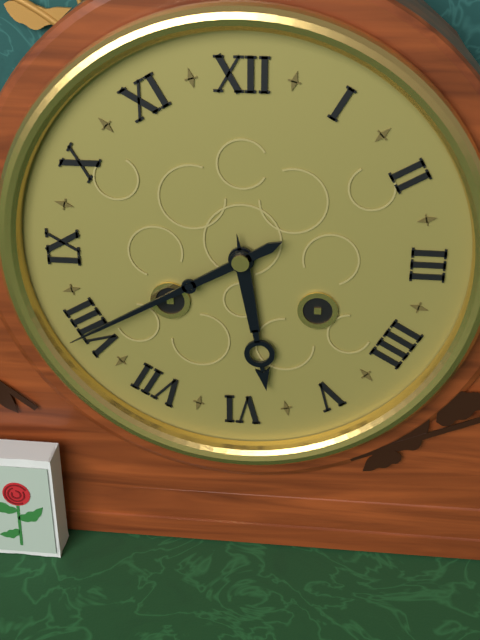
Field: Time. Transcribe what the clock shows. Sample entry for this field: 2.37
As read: 5.40
